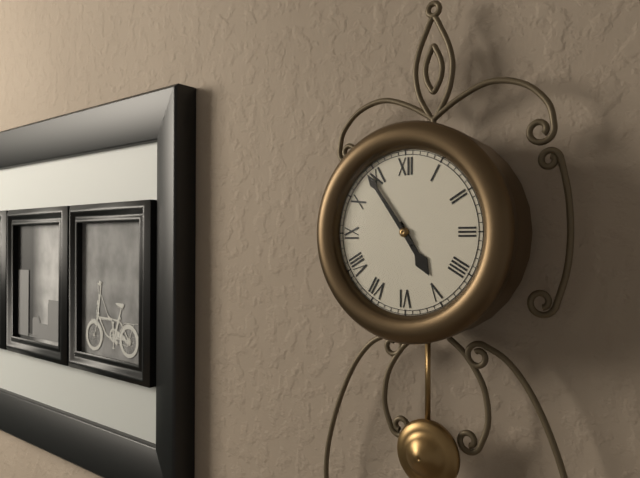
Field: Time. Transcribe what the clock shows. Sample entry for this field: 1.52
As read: 4.54
